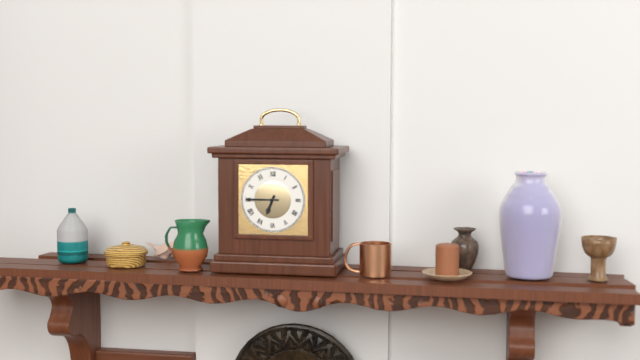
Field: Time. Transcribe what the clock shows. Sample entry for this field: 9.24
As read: 6.45
